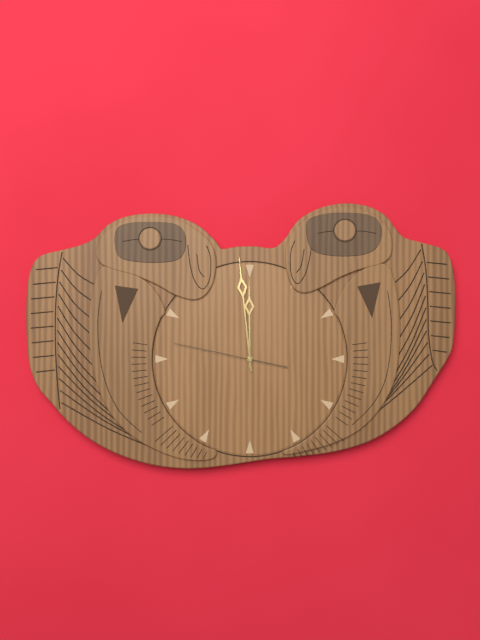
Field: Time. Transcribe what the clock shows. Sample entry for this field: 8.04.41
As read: 11.59.47
